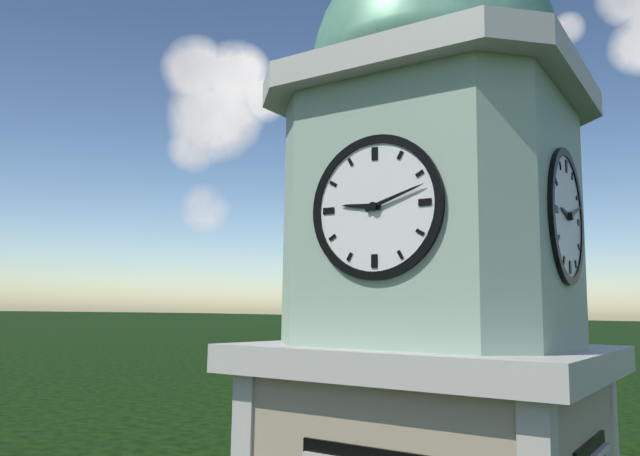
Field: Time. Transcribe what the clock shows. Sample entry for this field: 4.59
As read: 9.12
